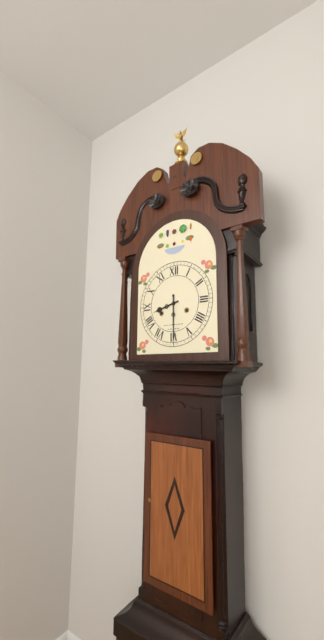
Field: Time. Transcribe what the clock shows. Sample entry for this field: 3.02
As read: 8.30
